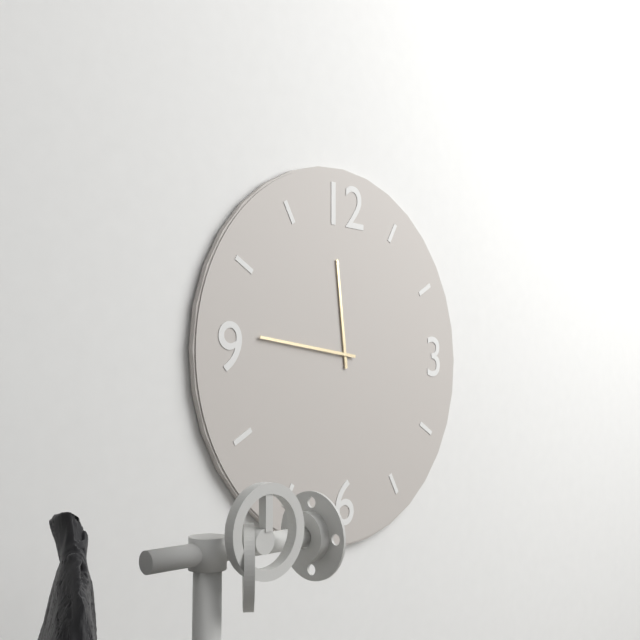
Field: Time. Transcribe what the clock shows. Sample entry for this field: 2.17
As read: 11.46
